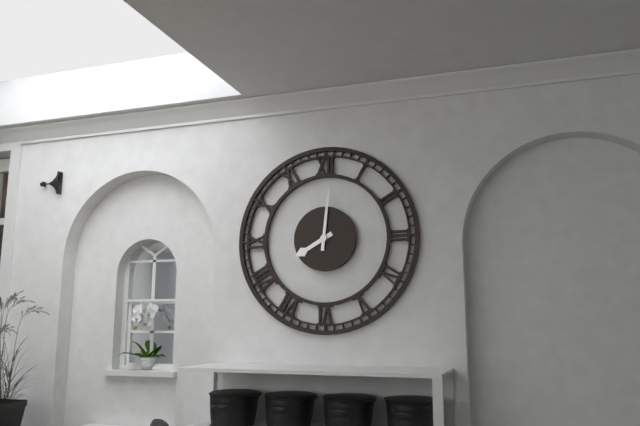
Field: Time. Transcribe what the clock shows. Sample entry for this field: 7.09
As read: 8.01
